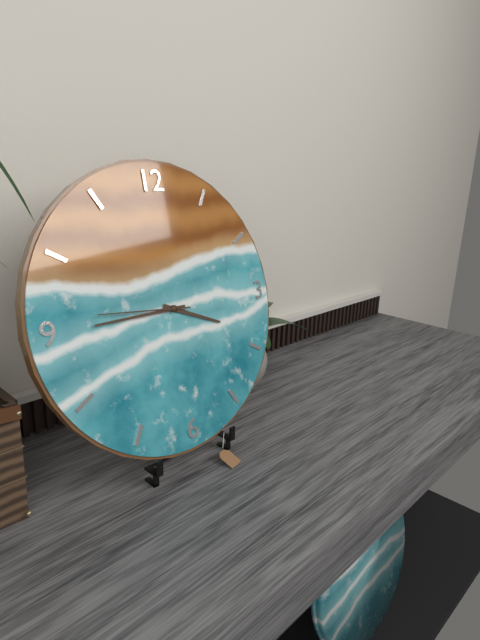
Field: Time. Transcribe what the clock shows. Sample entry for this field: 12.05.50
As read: 3.45.46
